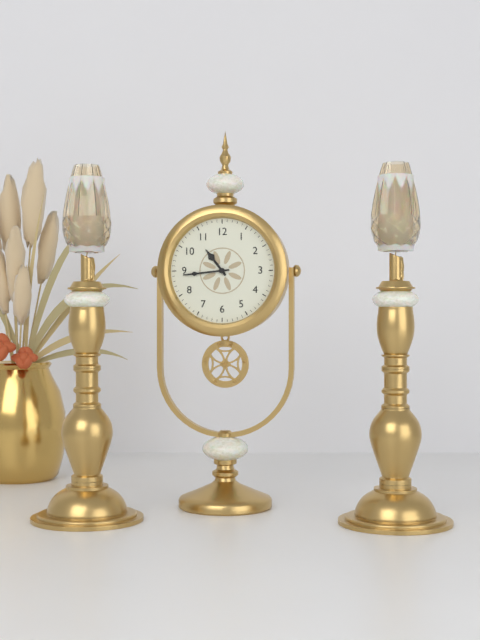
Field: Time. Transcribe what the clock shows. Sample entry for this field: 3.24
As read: 10.44
